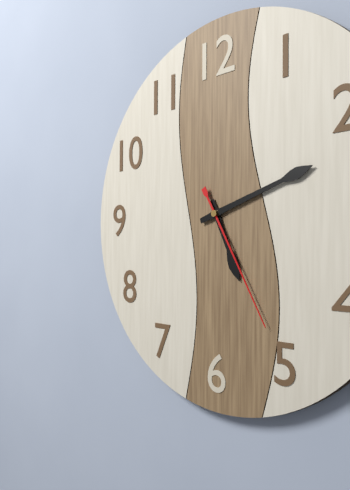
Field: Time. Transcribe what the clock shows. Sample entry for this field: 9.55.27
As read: 5.12.25
